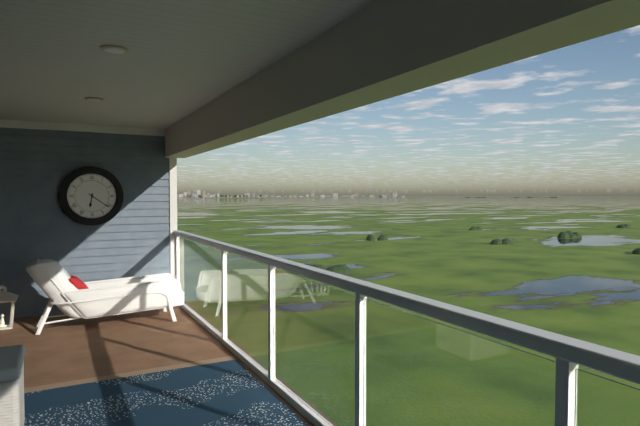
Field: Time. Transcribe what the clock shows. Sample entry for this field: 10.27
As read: 6.21
